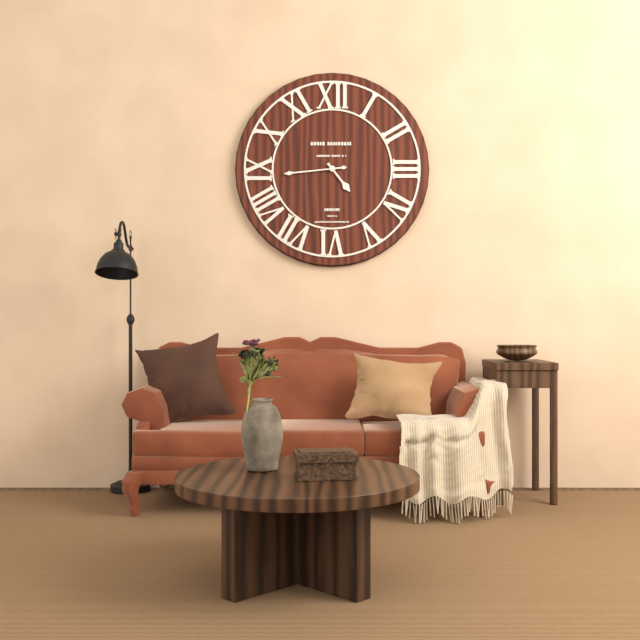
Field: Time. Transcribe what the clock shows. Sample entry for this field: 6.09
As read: 4.44
